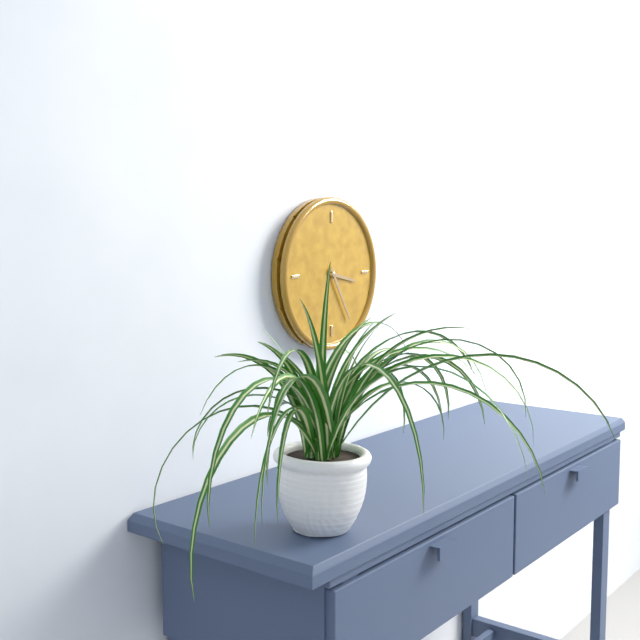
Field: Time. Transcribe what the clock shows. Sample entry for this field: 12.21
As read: 3.25
